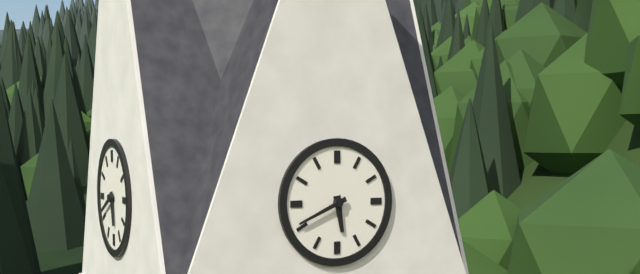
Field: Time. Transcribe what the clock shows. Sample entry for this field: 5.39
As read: 5.41
